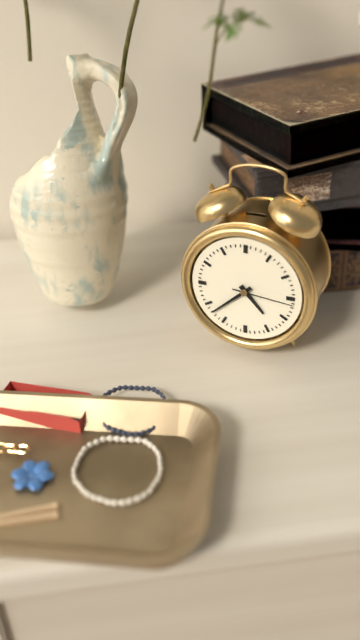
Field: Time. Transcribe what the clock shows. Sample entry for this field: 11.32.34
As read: 4.38.16
